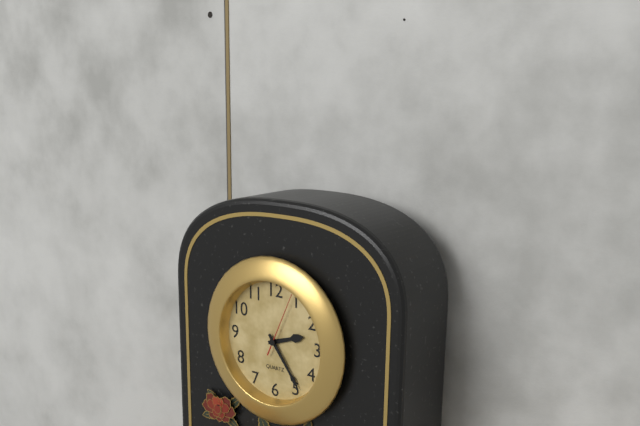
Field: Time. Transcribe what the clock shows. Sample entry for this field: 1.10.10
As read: 2.24.04
